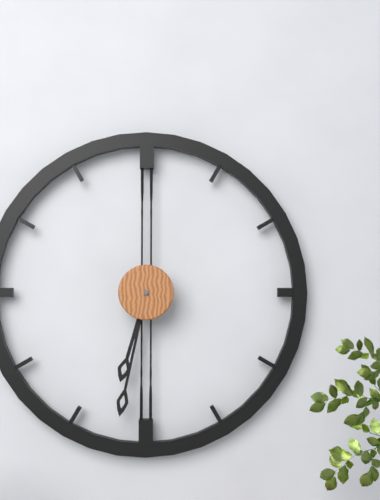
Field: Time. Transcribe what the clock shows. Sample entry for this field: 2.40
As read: 6.32
